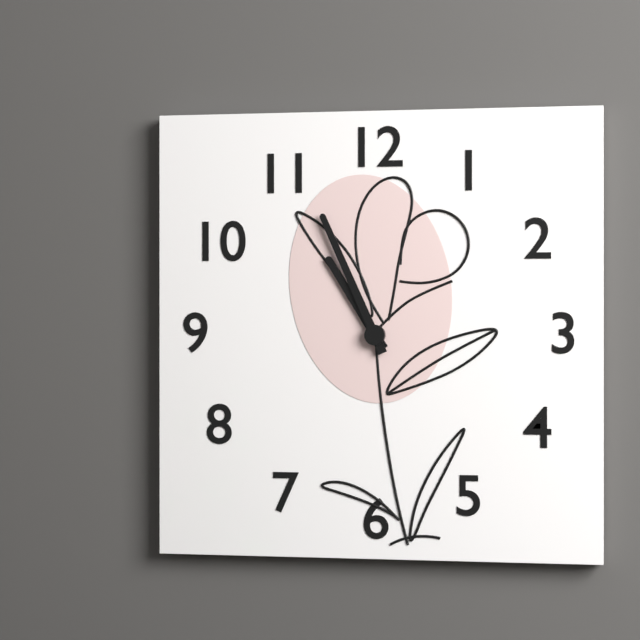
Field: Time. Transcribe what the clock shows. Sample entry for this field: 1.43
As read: 10.56
